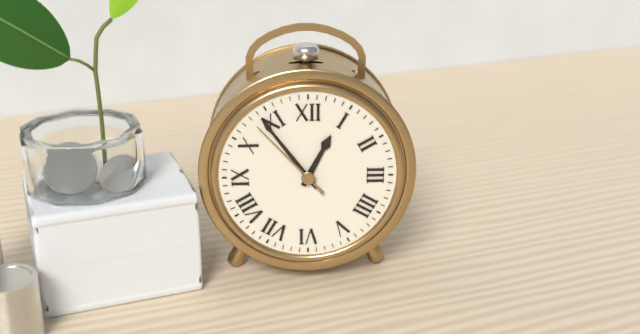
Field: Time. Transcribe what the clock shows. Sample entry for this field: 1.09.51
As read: 12.54.53
